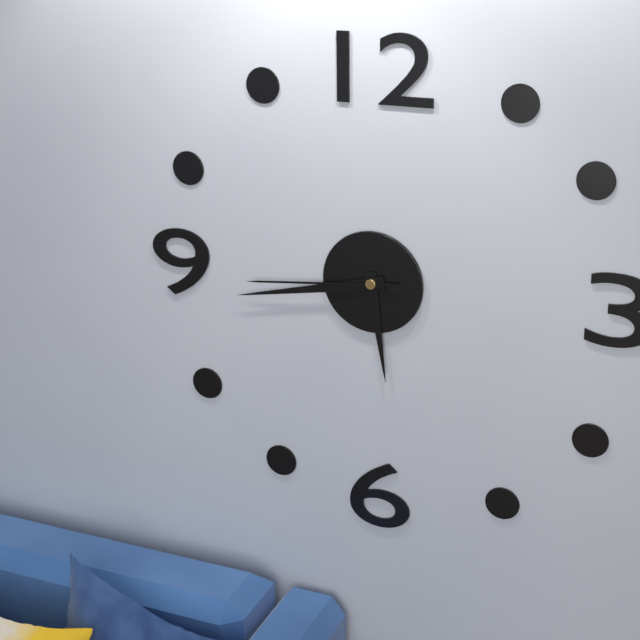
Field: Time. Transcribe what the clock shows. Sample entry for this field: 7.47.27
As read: 5.43.44
